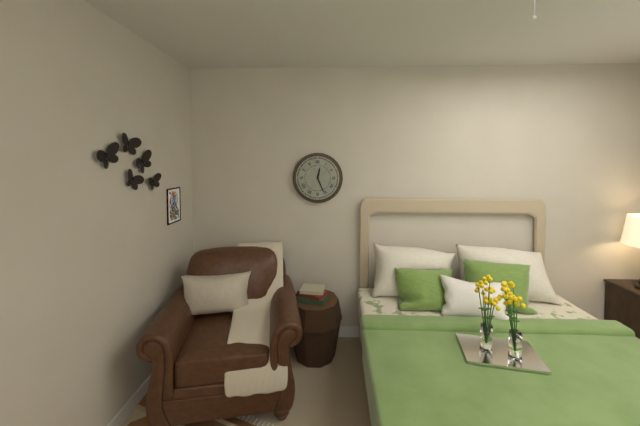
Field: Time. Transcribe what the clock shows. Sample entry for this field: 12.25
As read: 12.26
